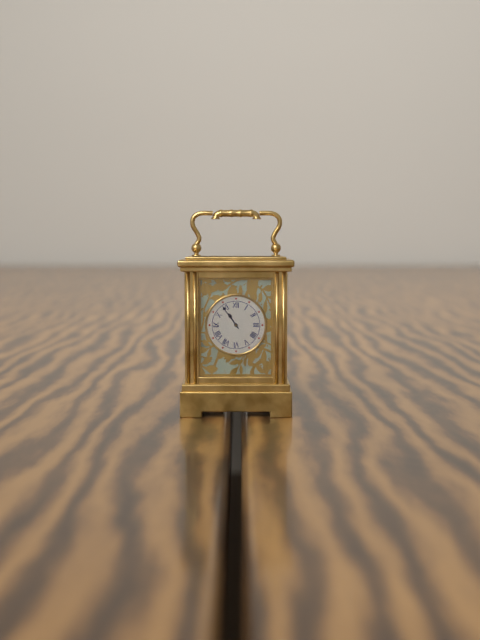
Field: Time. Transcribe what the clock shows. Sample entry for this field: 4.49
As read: 10.54
